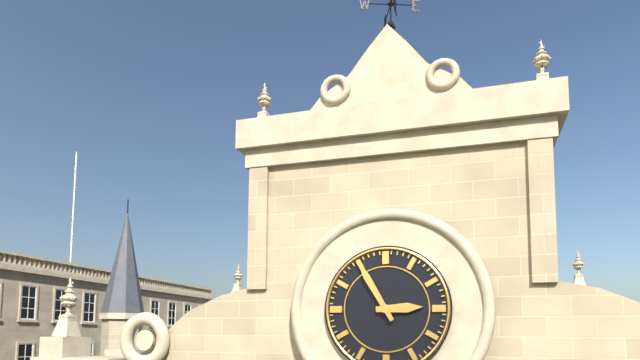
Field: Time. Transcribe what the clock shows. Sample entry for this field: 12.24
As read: 2.55
